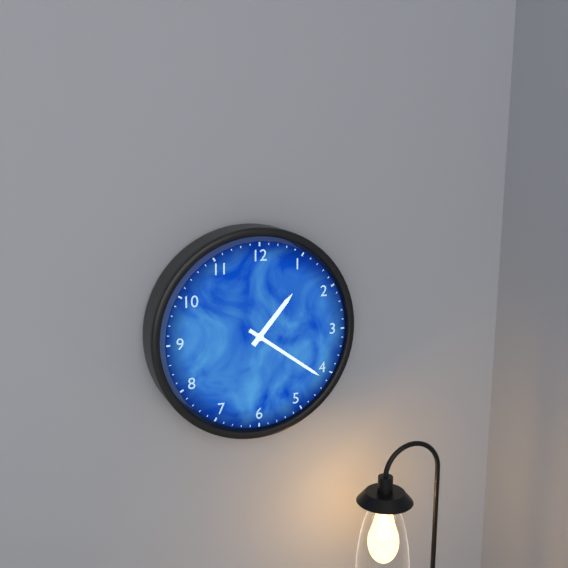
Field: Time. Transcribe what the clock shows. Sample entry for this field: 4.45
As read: 1.21
